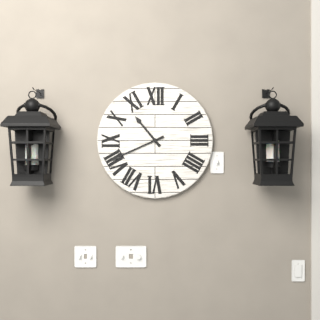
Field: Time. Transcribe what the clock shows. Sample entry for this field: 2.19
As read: 10.41
